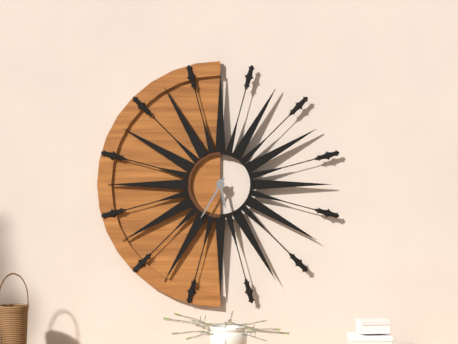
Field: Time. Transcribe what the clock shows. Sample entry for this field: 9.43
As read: 5.35
